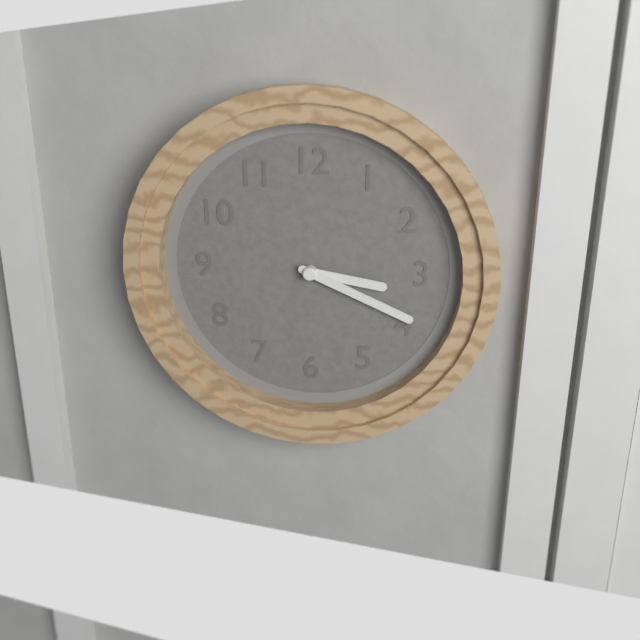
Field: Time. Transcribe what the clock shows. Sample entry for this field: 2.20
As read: 3.19
